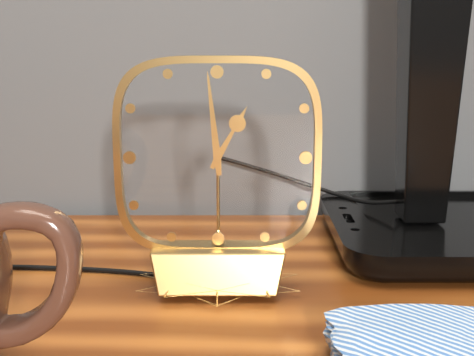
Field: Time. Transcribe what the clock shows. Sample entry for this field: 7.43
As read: 12.59
